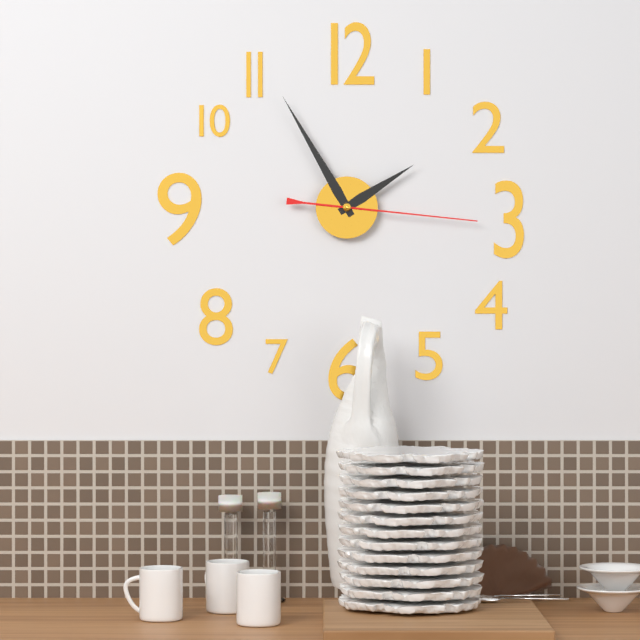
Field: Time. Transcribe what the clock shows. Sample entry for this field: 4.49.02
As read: 1.55.16
